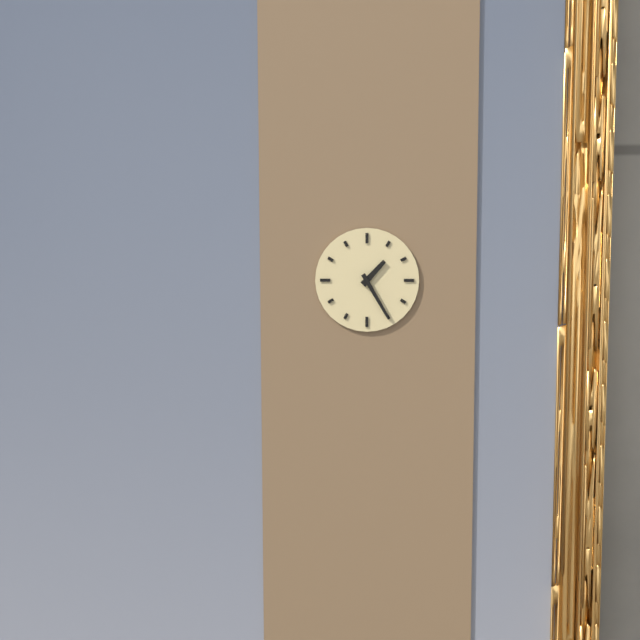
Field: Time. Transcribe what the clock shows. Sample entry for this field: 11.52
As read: 1.25
